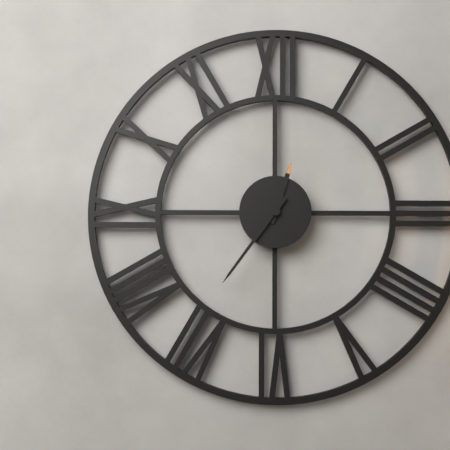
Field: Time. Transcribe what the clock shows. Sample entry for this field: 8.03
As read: 12.36
